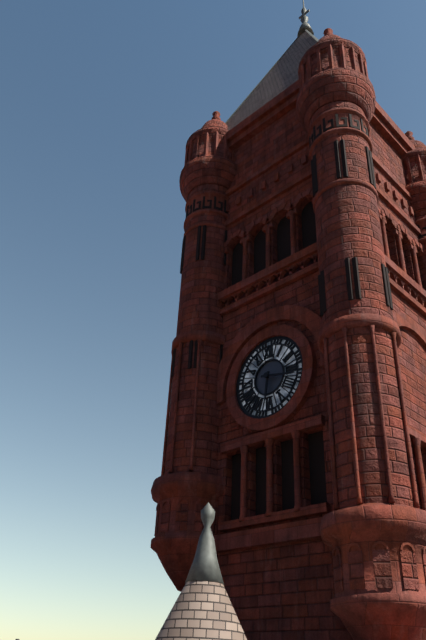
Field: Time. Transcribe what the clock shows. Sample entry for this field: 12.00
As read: 6.17
